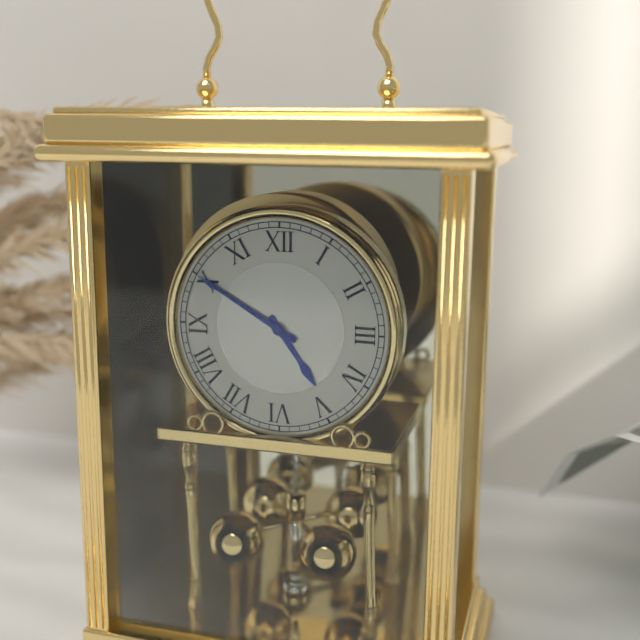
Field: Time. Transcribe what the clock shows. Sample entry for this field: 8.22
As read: 4.50
